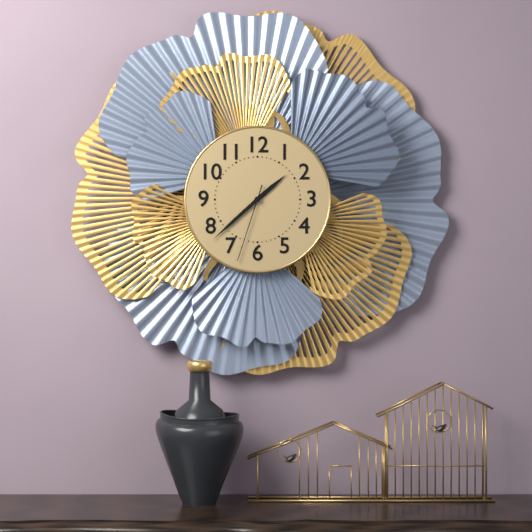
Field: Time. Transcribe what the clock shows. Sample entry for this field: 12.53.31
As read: 1.38.33
